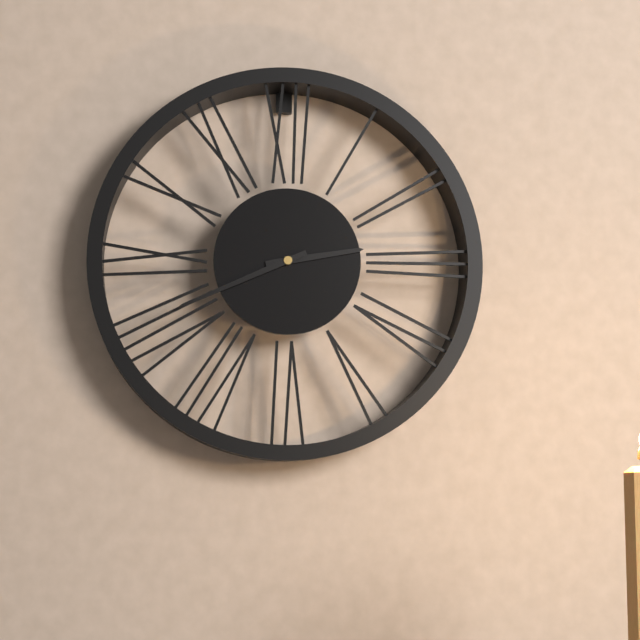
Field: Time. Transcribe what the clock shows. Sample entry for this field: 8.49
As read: 2.41
